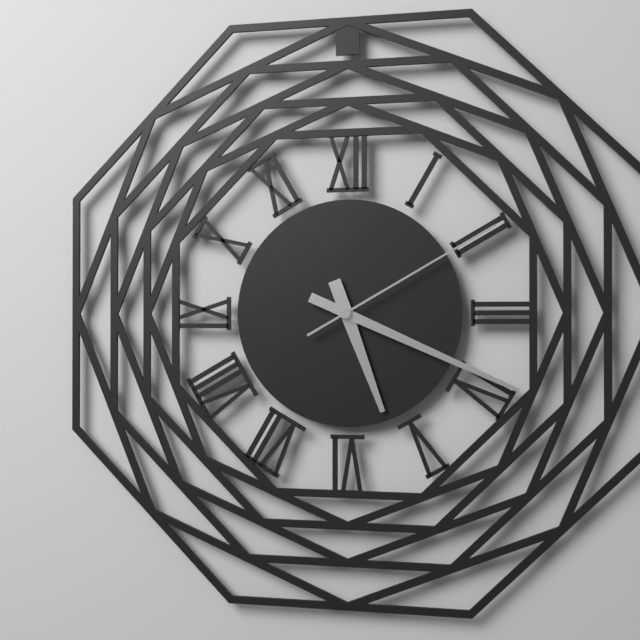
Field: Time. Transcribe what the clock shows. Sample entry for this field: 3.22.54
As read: 5.19.10
